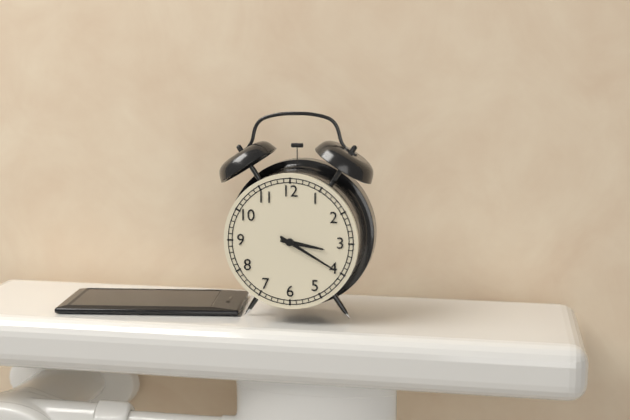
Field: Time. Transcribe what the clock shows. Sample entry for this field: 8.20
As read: 3.20
